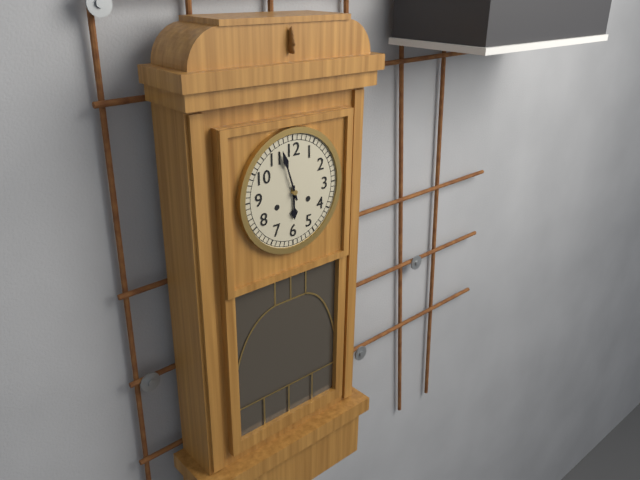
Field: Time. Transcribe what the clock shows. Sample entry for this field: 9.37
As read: 5.57
